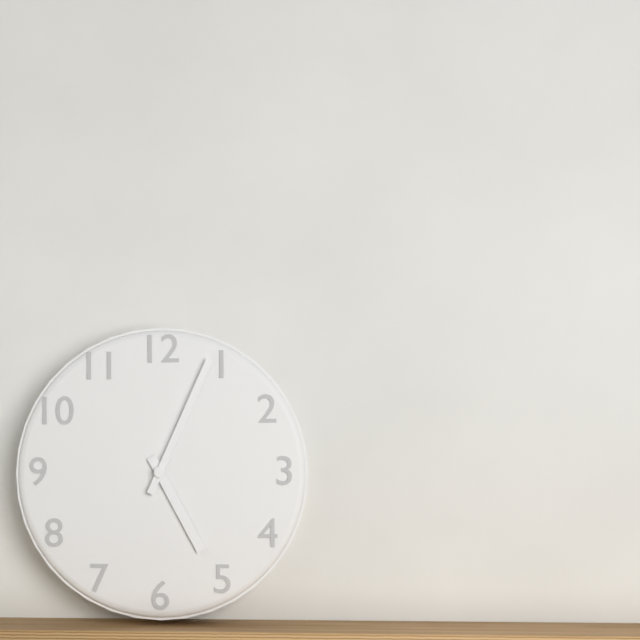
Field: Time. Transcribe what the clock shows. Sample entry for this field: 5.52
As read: 5.04
